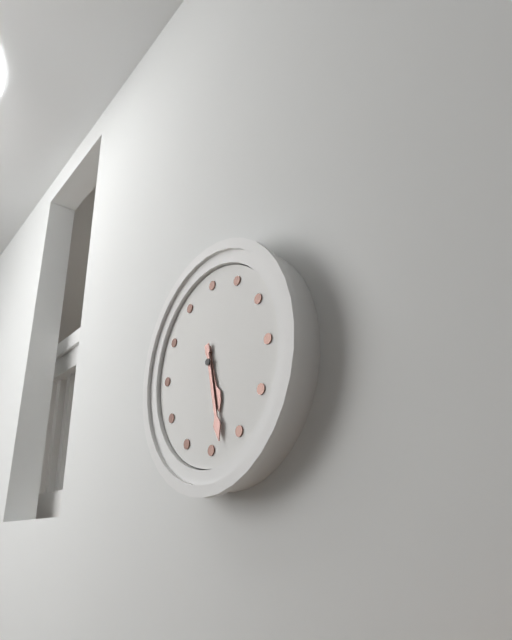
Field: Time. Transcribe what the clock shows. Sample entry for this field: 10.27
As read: 5.28
